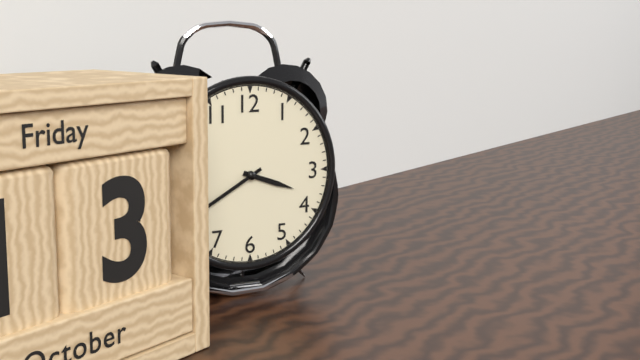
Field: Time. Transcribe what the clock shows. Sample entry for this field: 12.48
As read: 3.40
